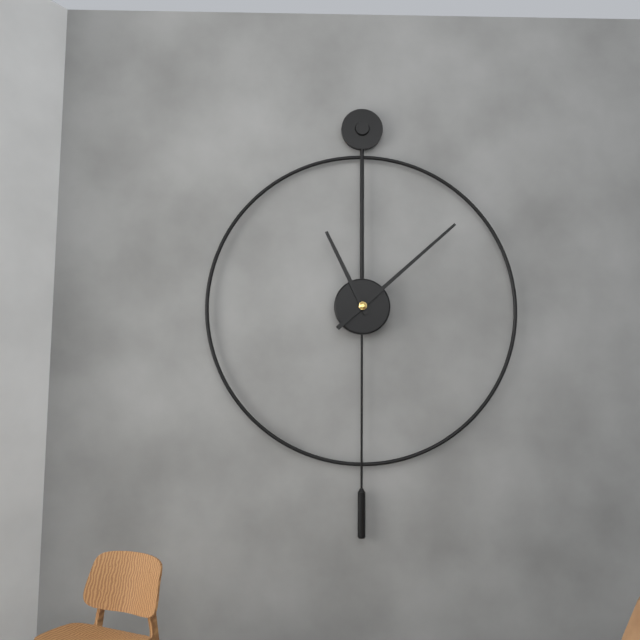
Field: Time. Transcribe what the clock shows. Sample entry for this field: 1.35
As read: 11.08
